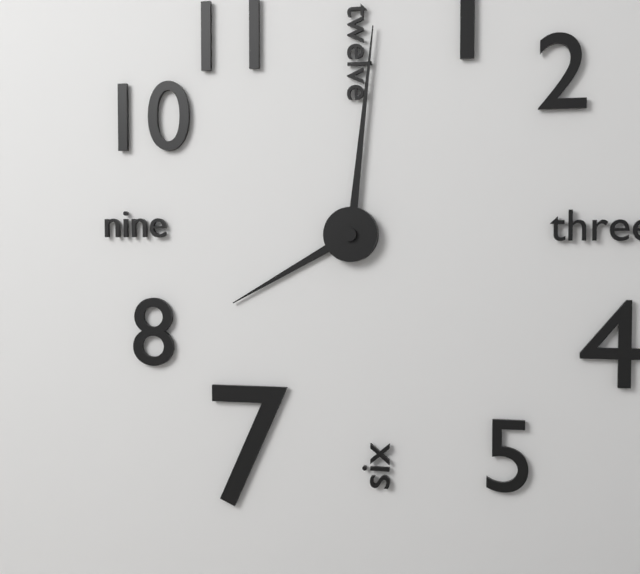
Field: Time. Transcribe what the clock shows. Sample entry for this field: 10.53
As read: 8.01
